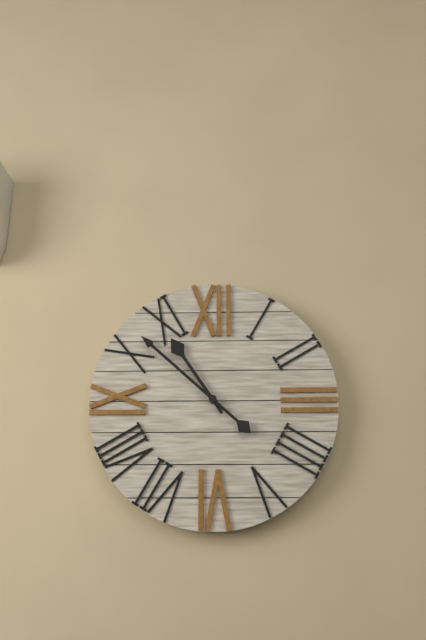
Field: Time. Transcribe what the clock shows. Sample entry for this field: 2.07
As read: 10.52
